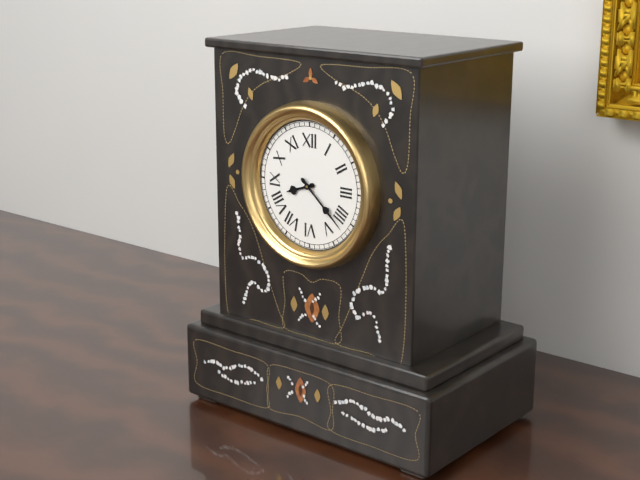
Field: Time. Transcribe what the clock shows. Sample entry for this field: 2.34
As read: 8.22
